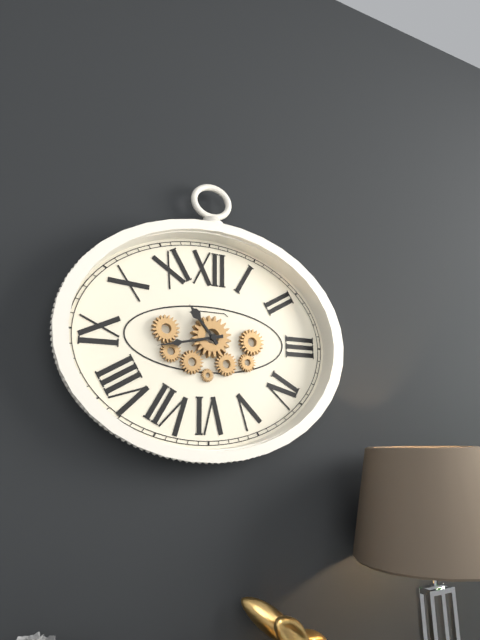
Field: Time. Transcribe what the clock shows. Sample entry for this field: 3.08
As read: 10.43
